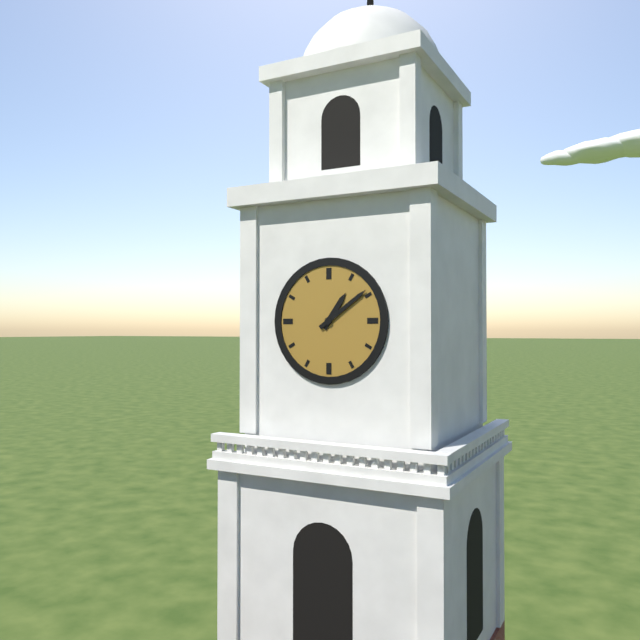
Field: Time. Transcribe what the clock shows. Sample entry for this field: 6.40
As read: 1.09
